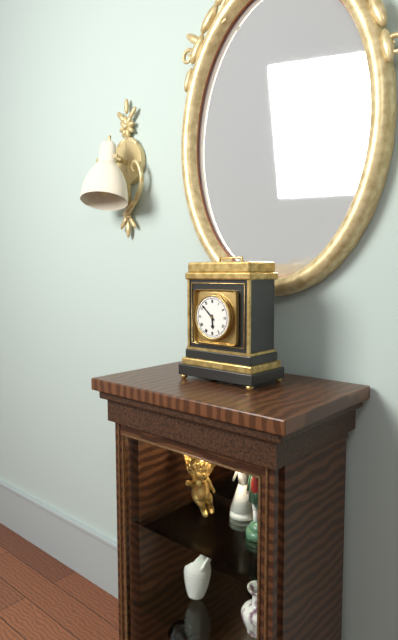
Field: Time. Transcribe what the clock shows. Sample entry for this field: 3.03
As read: 5.52
